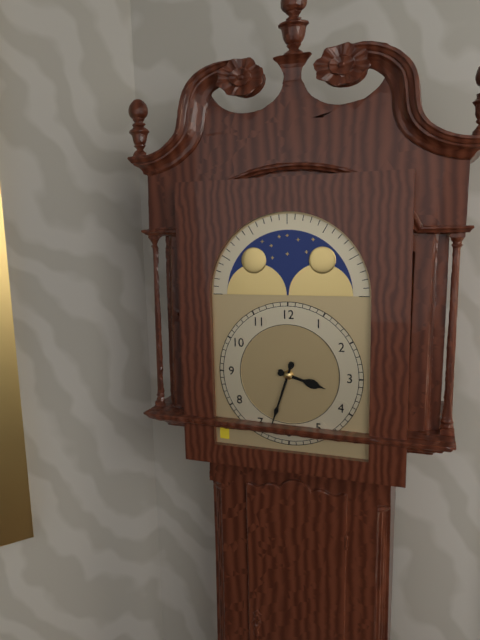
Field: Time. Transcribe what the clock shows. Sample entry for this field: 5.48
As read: 3.33
